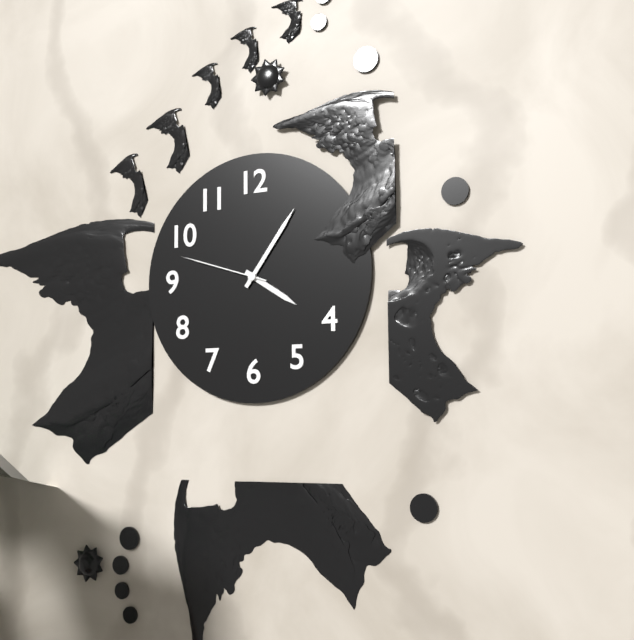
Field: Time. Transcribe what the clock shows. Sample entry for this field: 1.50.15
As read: 4.06.48
